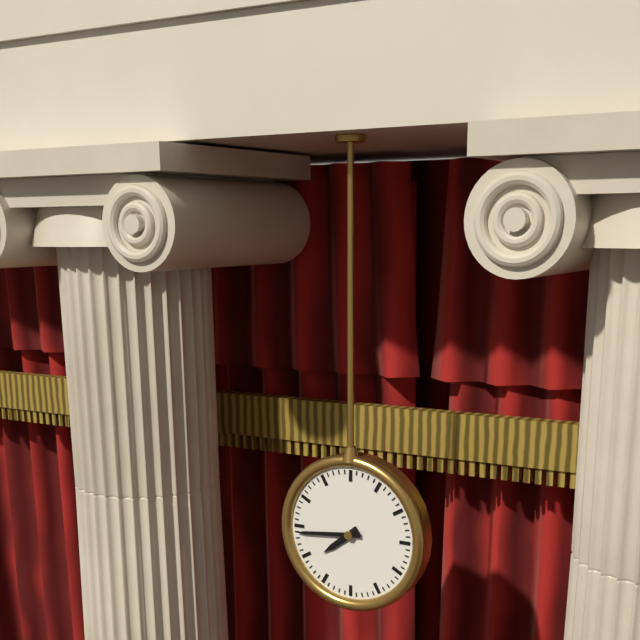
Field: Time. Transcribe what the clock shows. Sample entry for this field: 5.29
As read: 7.44
